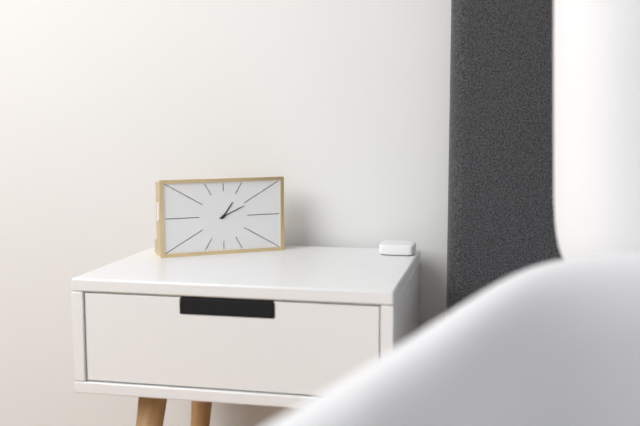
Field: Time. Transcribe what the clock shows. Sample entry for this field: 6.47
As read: 1.11
